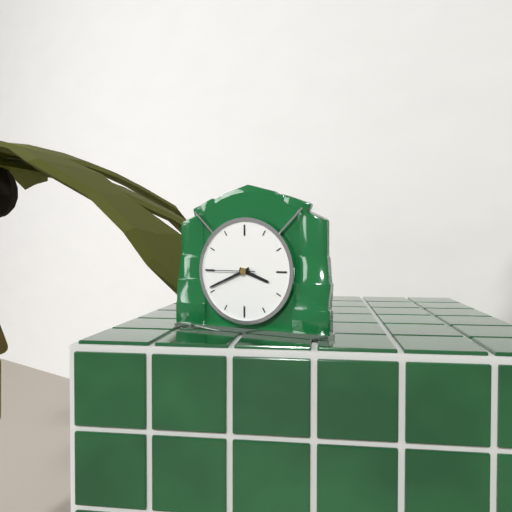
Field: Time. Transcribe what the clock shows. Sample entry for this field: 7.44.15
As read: 3.41.45
